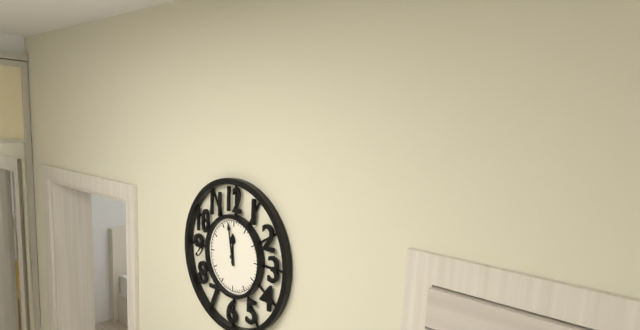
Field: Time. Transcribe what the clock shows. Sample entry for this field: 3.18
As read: 11.58
